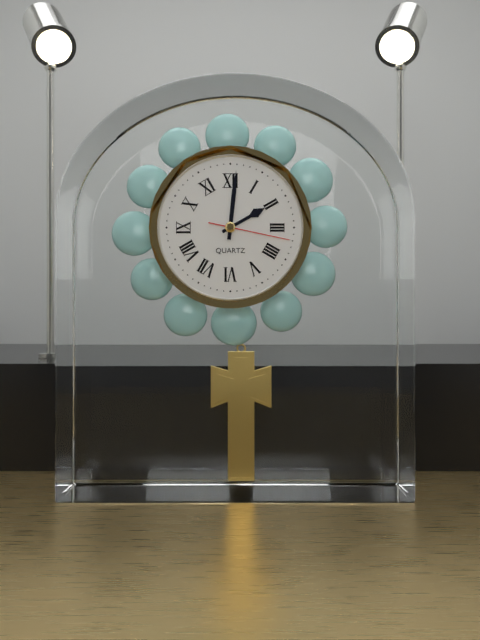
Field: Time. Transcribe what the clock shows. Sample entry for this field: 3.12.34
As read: 2.01.17
